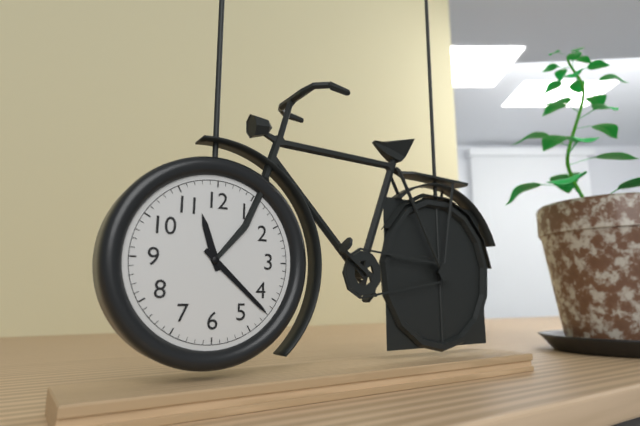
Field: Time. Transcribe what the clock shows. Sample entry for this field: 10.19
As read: 11.22
